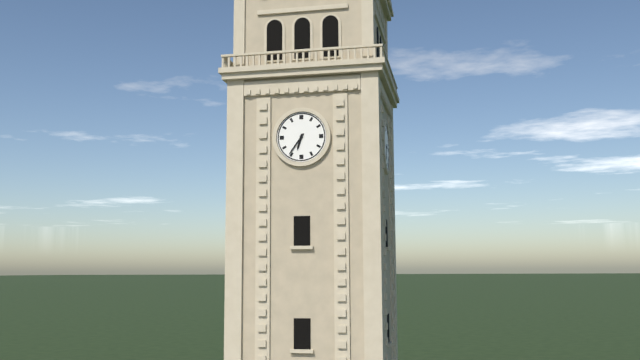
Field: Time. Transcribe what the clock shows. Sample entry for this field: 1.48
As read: 6.36
